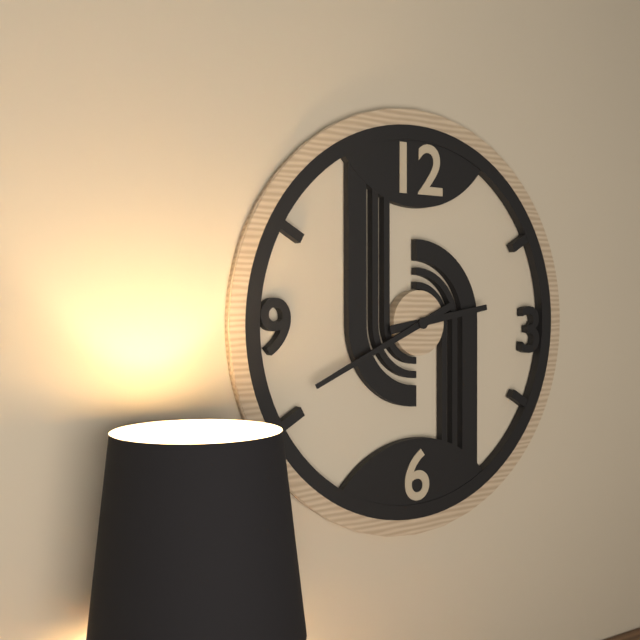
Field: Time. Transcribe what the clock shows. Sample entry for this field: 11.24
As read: 2.41
